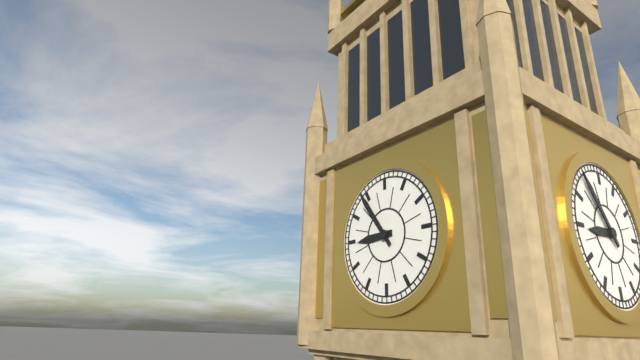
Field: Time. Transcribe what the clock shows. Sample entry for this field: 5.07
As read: 8.54
